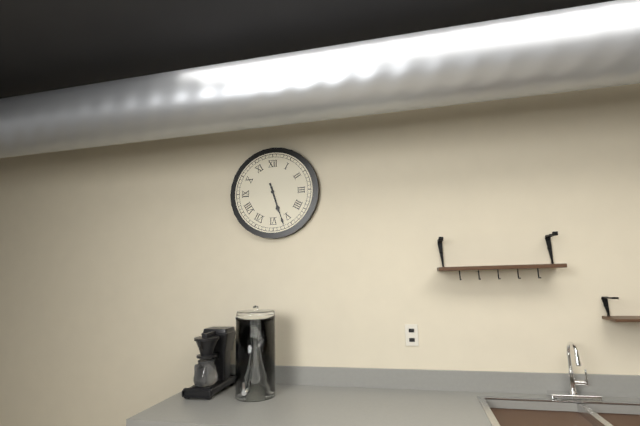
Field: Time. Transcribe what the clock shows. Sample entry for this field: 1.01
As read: 5.27
